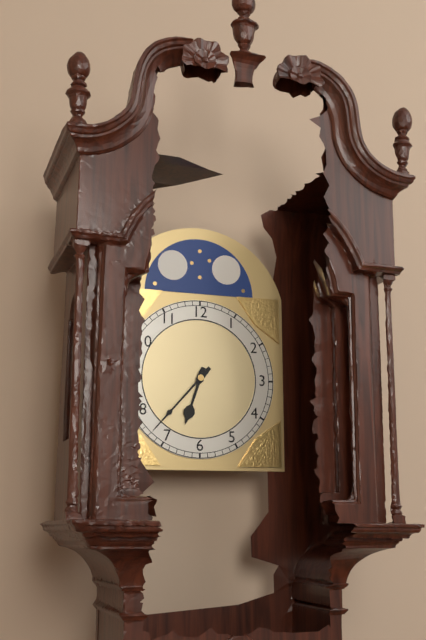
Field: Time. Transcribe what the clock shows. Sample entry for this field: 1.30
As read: 6.37
